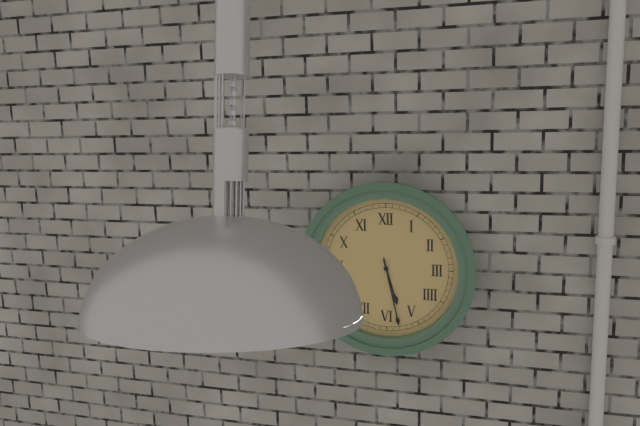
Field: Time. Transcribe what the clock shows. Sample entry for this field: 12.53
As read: 5.28
